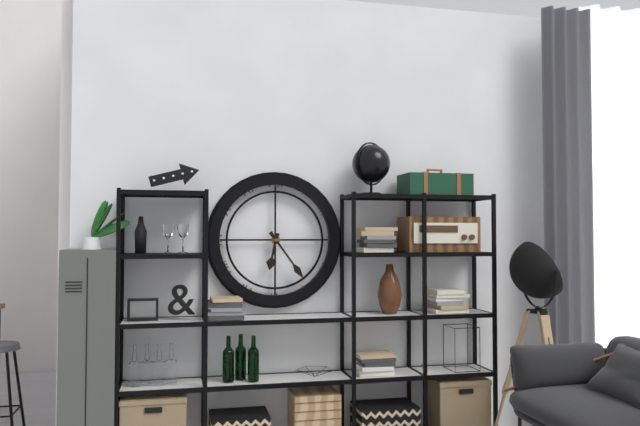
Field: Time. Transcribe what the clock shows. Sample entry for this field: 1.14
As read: 6.24
